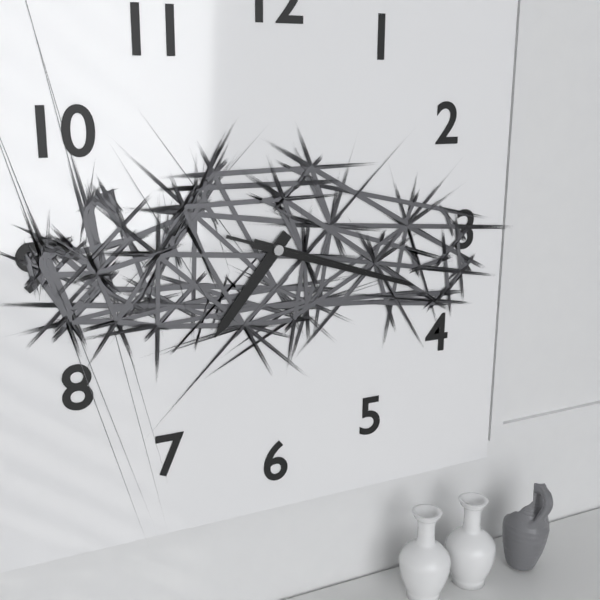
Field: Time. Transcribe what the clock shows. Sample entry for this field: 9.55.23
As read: 7.18.18
